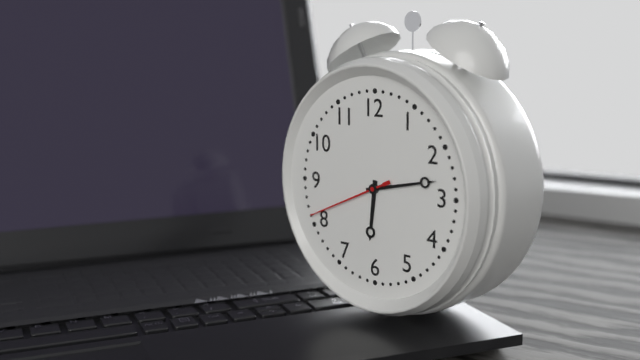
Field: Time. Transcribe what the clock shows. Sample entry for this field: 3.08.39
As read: 6.13.41
